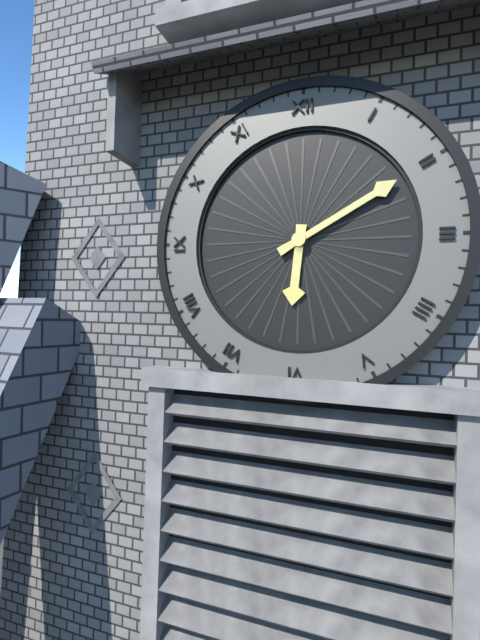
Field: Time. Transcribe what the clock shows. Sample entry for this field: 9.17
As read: 6.10
